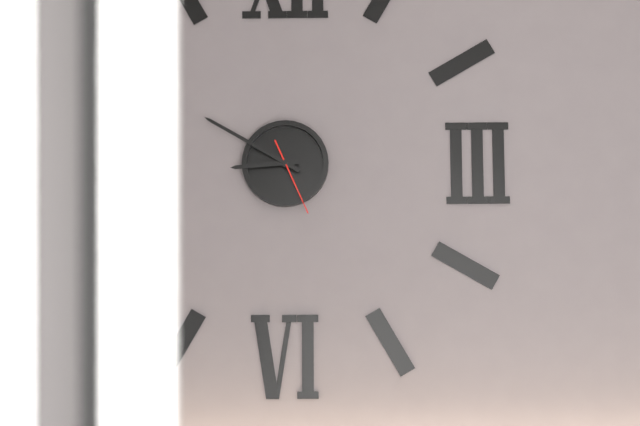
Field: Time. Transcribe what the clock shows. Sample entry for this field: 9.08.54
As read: 8.50.26
